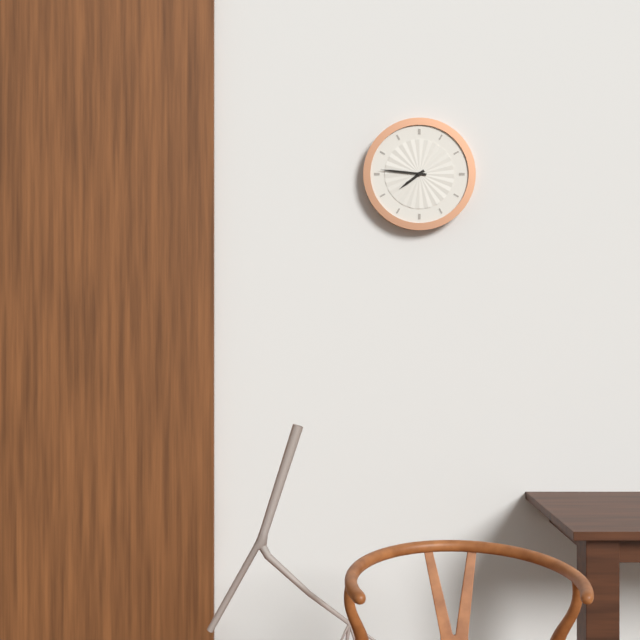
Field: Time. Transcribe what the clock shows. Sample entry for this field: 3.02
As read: 7.46
